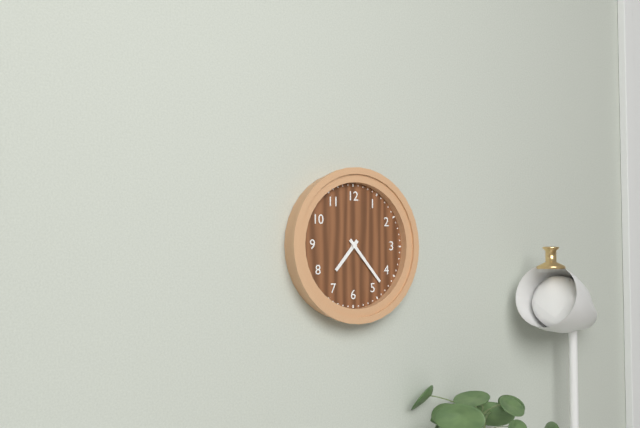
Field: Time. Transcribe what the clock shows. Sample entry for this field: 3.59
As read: 7.23
